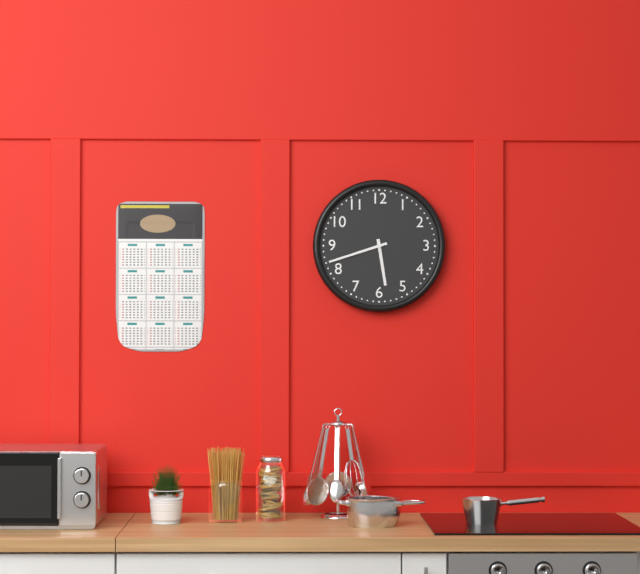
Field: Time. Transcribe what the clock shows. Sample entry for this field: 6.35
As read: 5.42
